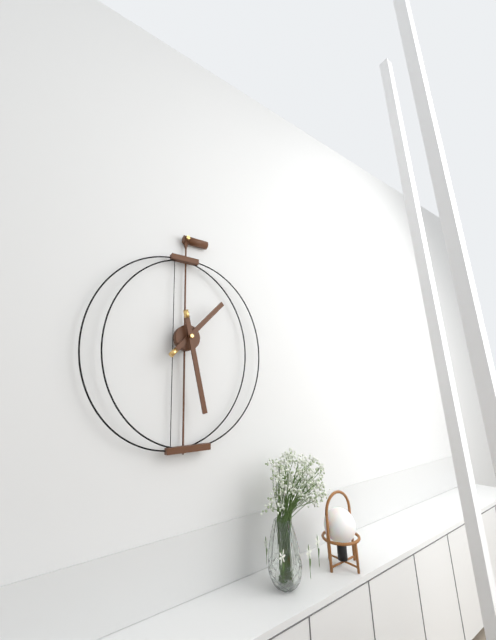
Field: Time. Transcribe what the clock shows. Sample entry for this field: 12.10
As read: 1.28
